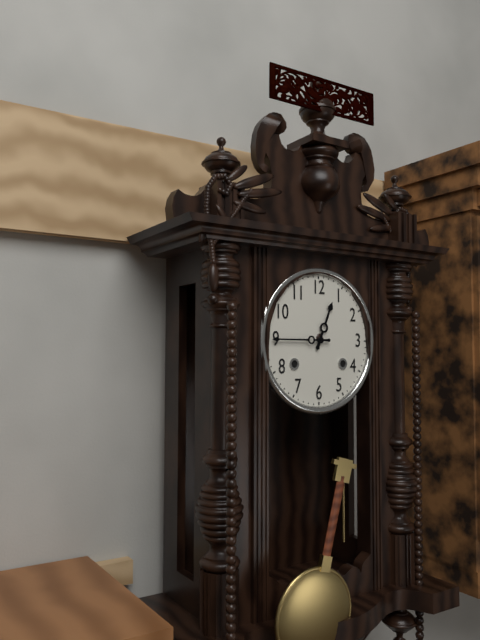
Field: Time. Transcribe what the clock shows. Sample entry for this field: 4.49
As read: 12.45
